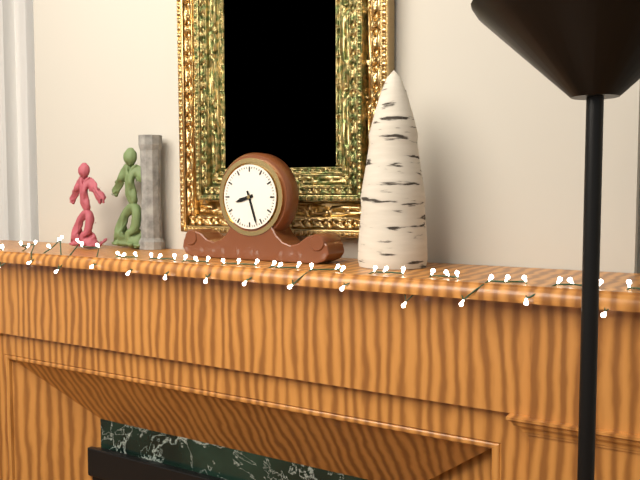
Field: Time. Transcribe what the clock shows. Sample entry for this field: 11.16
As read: 8.27
